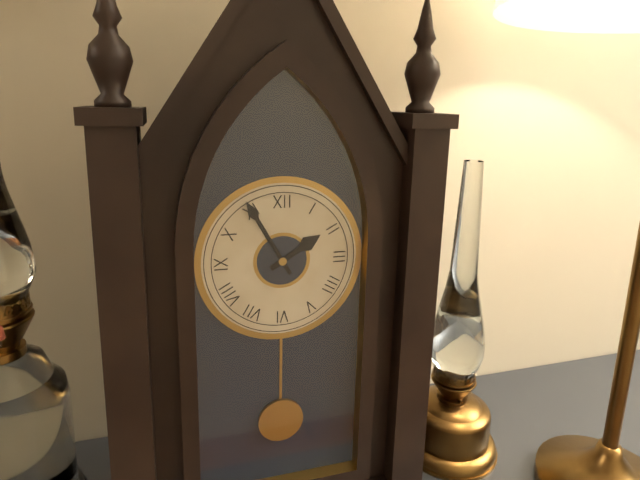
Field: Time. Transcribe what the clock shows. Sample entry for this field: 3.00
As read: 1.55
